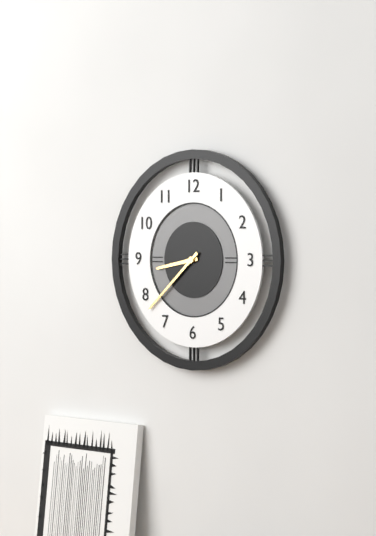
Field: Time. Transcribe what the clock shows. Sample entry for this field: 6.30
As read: 8.38
